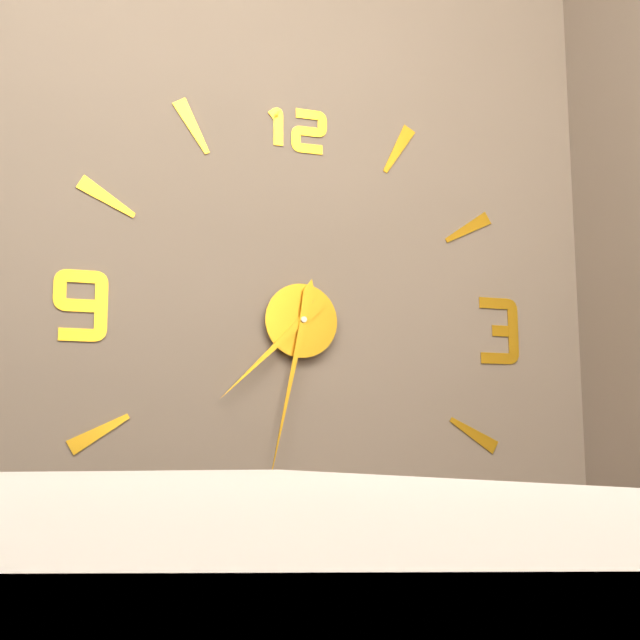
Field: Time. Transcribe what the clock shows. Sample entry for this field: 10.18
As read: 7.32
